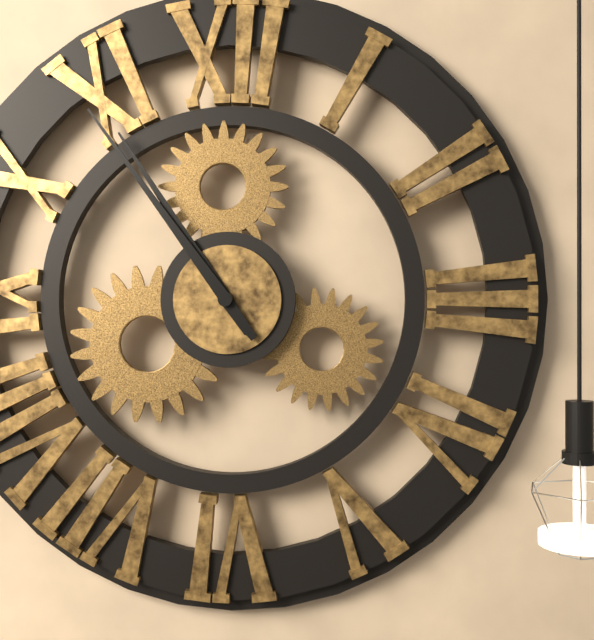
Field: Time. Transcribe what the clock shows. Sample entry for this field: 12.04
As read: 10.54
